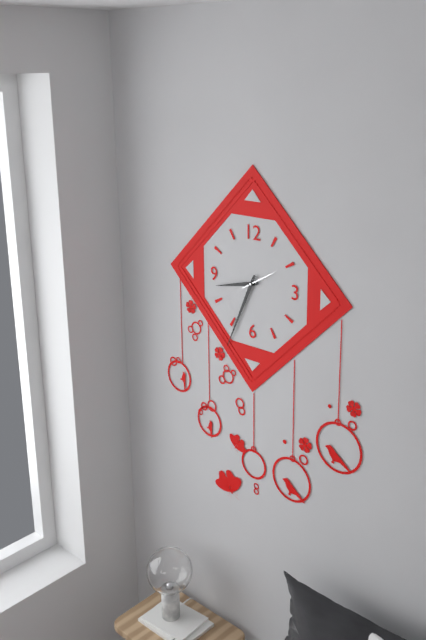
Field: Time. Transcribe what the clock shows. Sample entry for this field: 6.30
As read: 8.34
